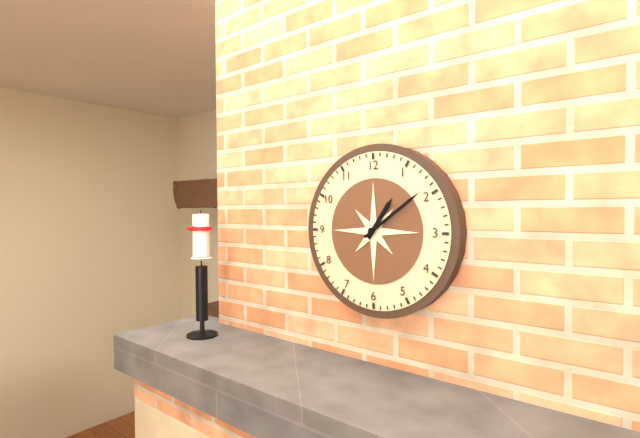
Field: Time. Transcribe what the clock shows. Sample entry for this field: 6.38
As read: 1.09
